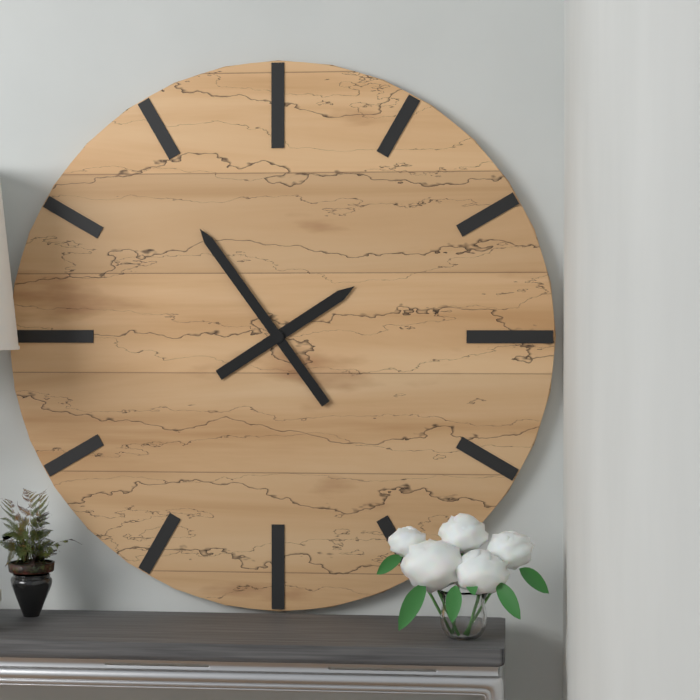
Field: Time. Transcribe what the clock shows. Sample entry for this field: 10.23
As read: 1.54
